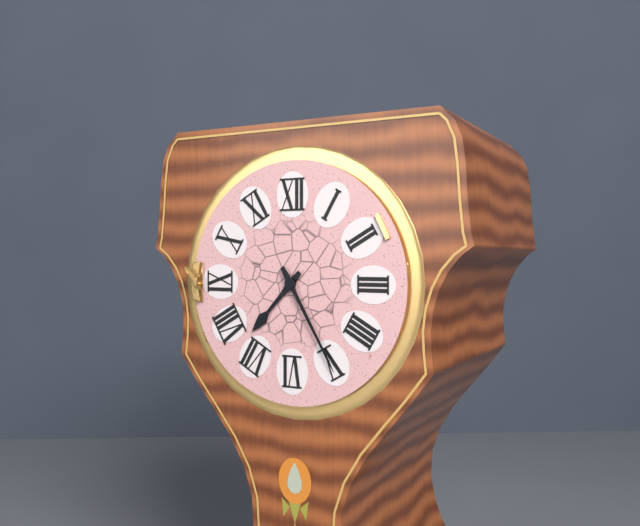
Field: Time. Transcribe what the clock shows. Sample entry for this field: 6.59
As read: 7.25
